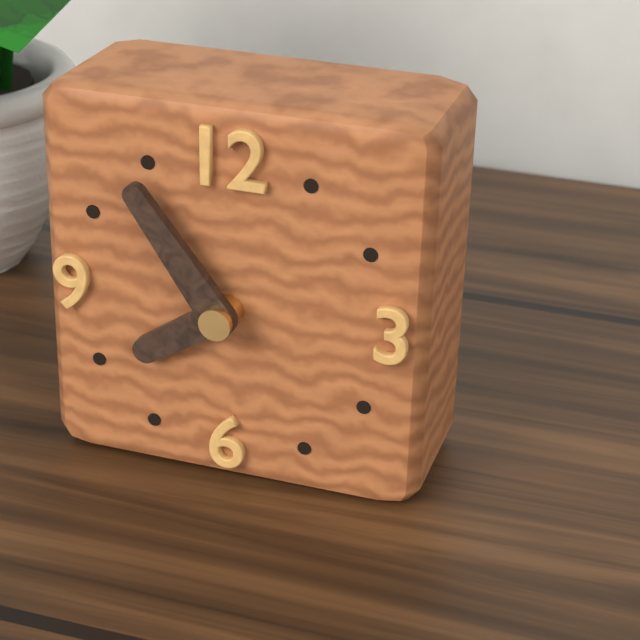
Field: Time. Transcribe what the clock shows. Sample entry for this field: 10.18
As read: 7.54
